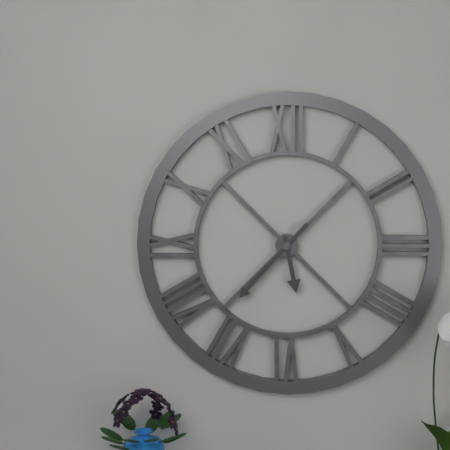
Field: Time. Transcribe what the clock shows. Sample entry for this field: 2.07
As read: 5.37
